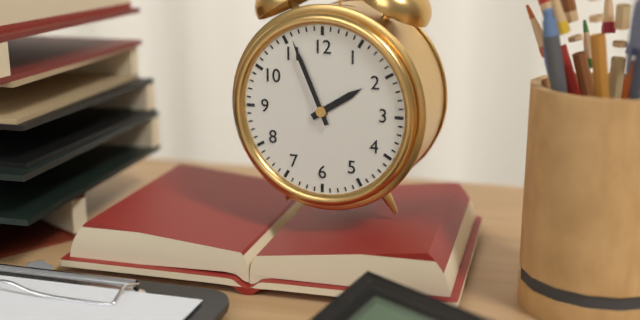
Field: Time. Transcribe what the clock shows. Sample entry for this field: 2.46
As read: 1.56
